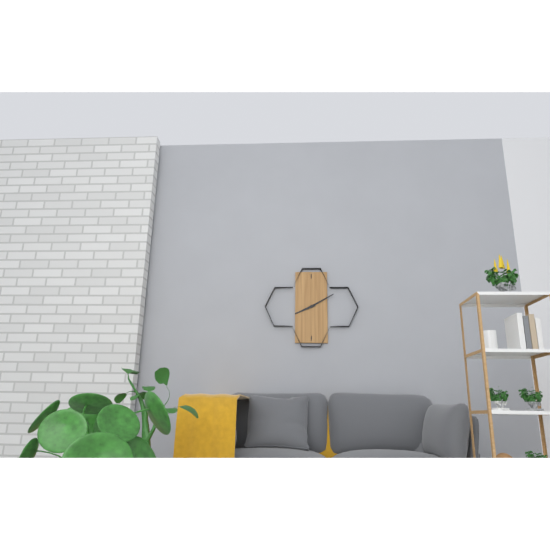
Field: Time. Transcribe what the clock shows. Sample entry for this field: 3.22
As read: 8.10
